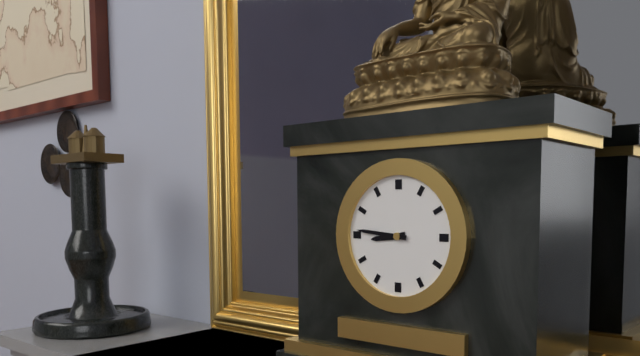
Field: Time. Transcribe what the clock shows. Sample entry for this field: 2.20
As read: 8.46
